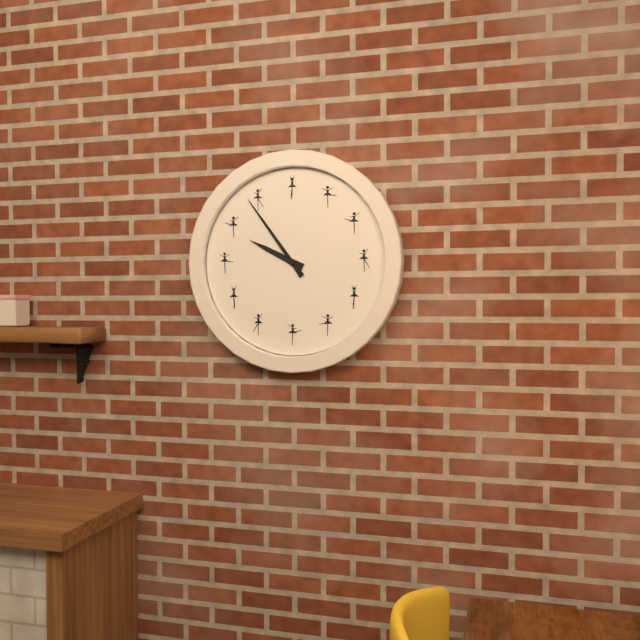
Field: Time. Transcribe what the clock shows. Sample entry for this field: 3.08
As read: 9.54
